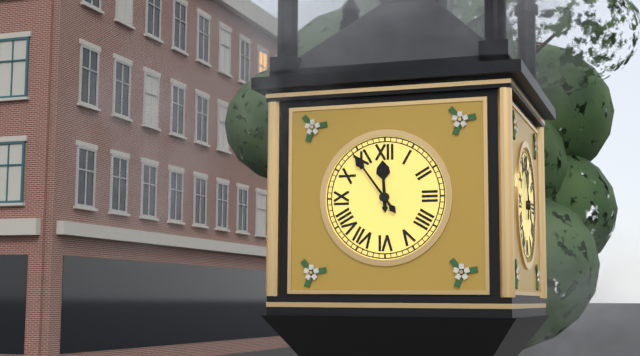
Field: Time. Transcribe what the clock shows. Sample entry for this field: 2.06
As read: 11.54
